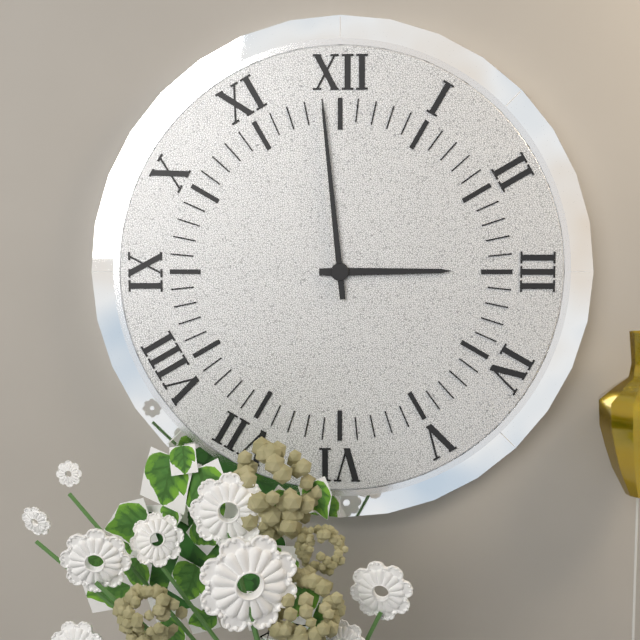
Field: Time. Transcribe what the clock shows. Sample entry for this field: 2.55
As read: 2.59
